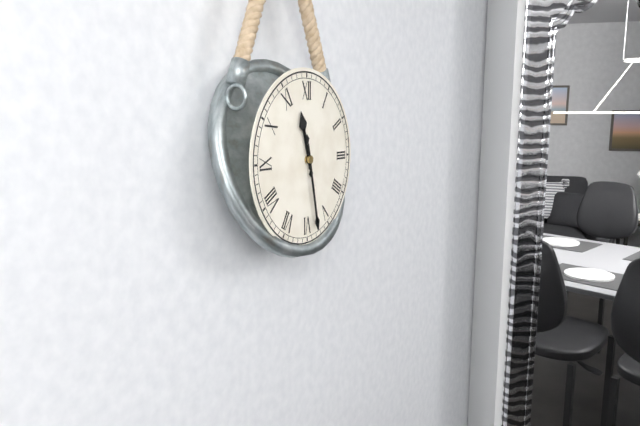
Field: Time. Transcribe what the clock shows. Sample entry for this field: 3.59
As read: 11.28
